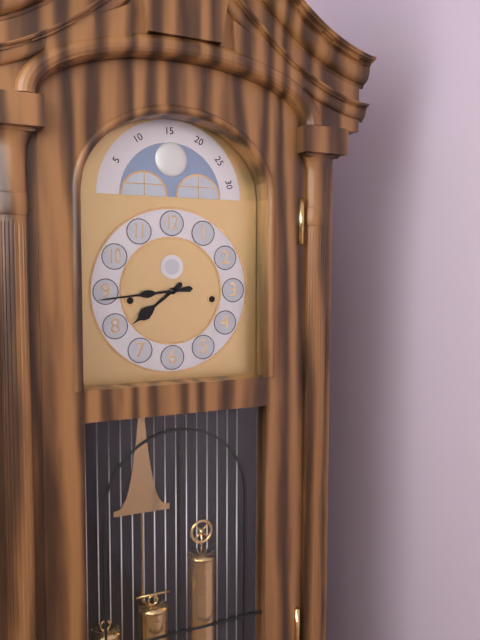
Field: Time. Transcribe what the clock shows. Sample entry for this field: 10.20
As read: 7.44
